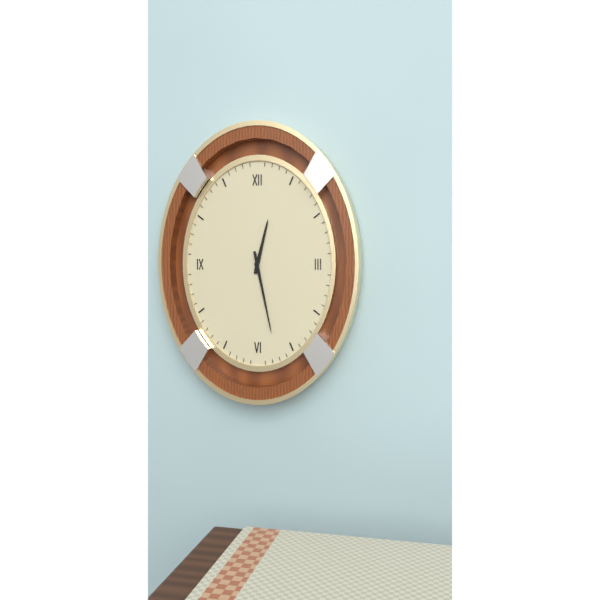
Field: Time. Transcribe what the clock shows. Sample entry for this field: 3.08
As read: 12.28
